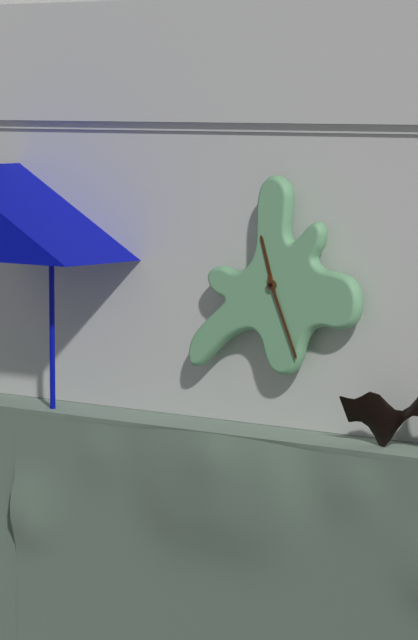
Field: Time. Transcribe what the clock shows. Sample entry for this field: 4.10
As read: 11.26
